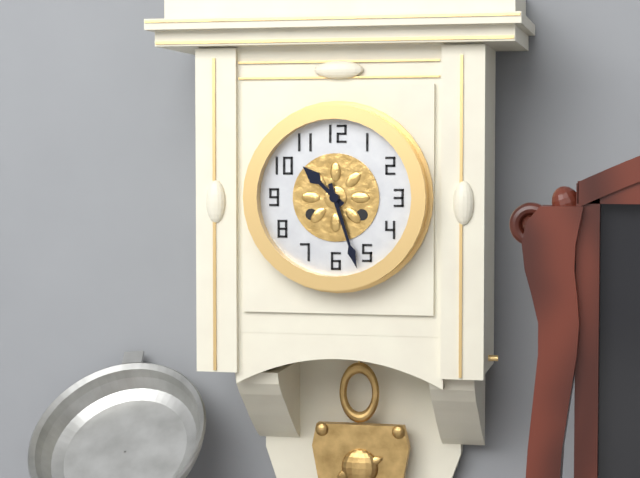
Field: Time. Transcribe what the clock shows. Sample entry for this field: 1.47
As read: 10.27
